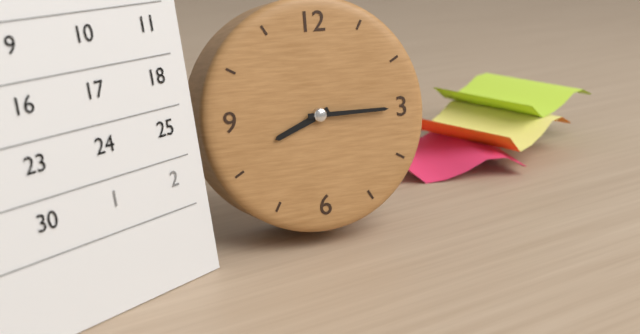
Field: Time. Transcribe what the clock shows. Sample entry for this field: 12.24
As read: 8.15
